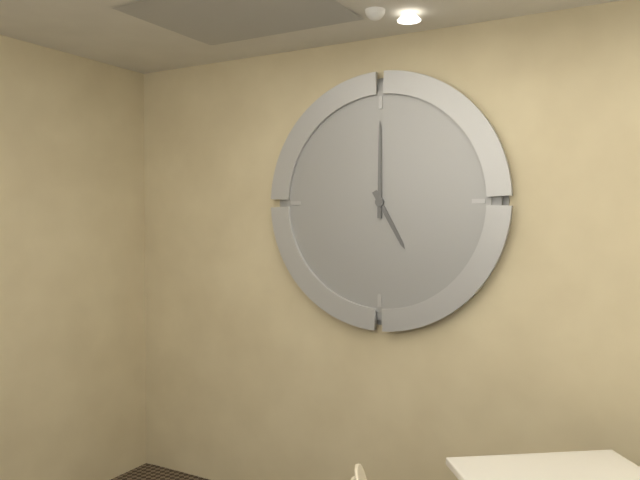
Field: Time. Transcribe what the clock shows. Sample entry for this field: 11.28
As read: 5.00
